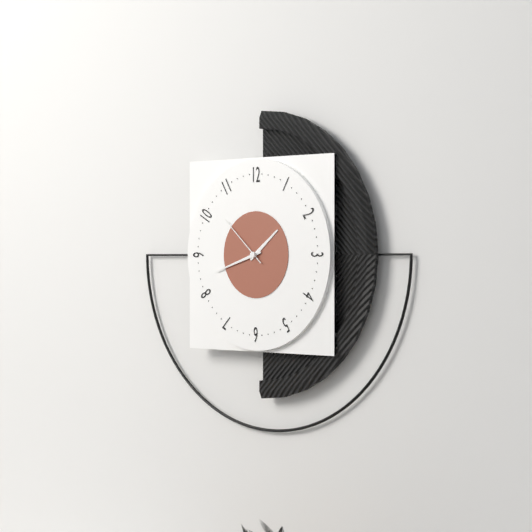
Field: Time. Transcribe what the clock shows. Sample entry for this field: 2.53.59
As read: 1.42.52
